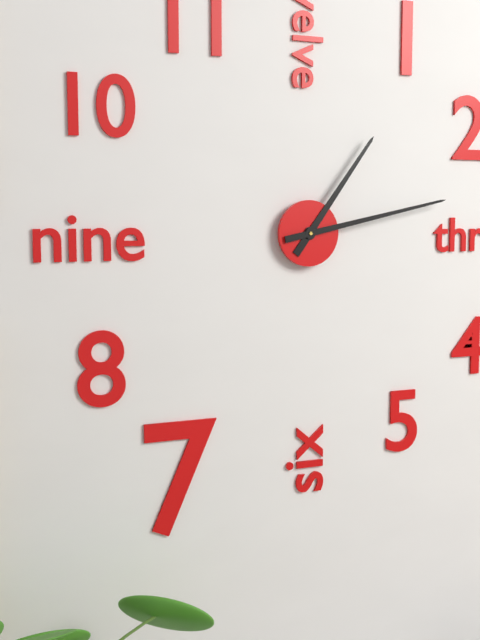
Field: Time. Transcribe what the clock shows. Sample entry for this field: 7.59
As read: 1.13
